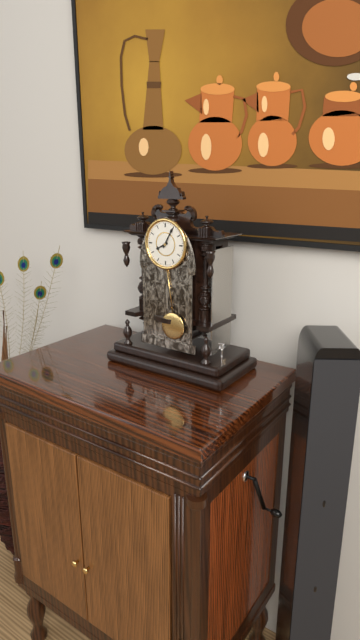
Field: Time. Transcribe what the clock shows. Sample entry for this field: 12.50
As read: 8.05
